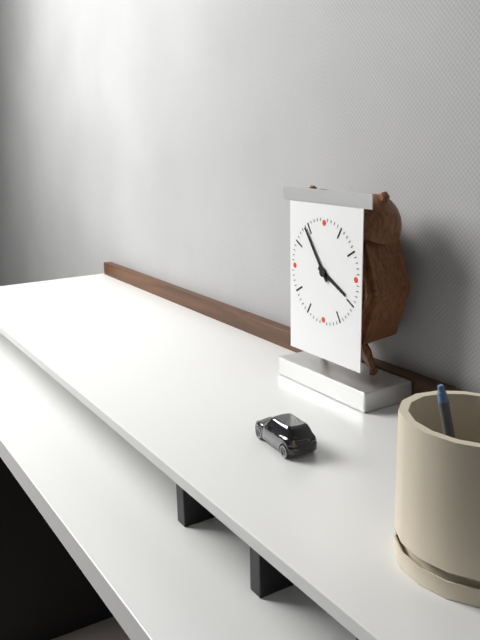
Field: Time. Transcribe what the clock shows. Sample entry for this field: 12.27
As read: 3.54
